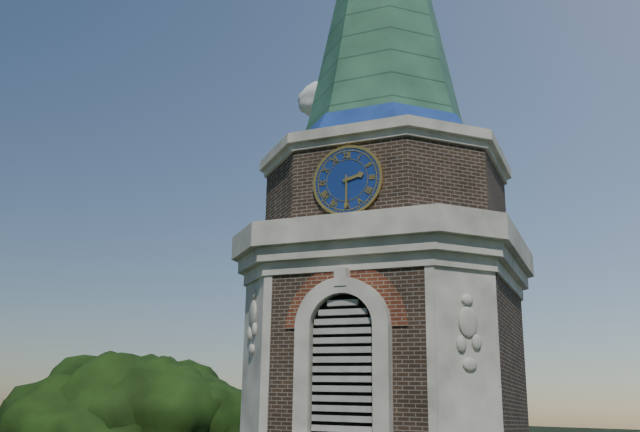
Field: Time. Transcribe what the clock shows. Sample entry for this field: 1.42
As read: 2.30
